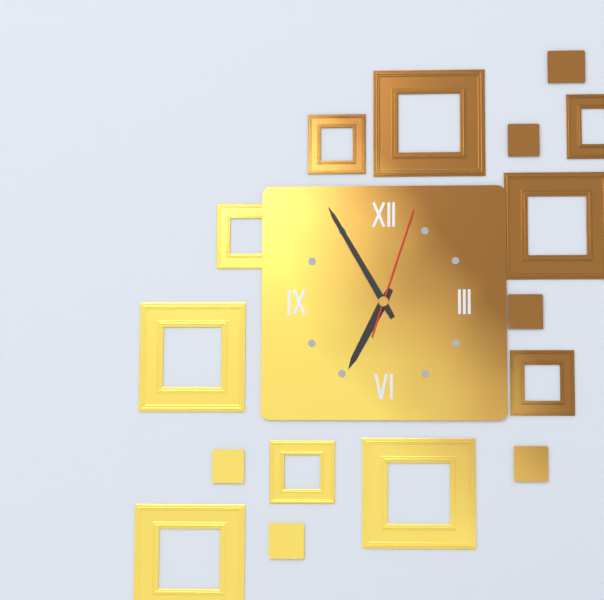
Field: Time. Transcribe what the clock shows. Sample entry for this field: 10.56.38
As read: 6.55.03
